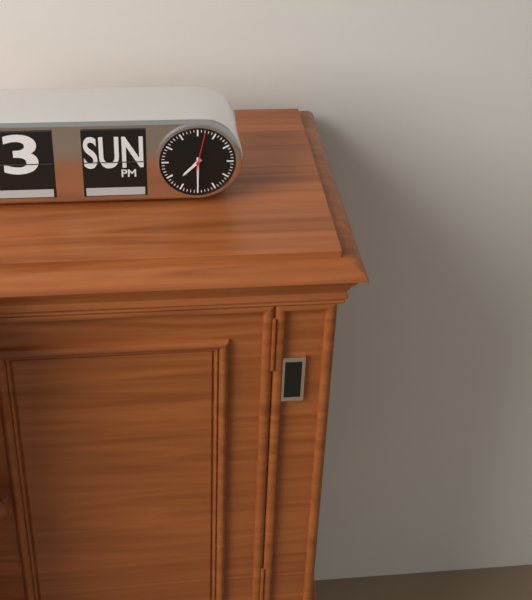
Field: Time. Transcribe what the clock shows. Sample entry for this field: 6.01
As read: 7.30
